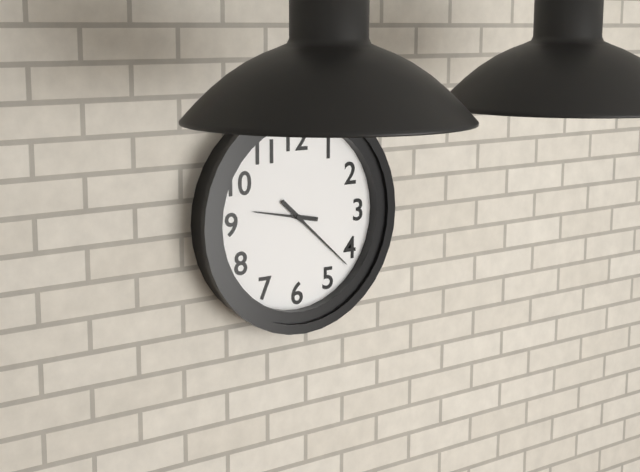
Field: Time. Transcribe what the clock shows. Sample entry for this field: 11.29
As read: 9.22
